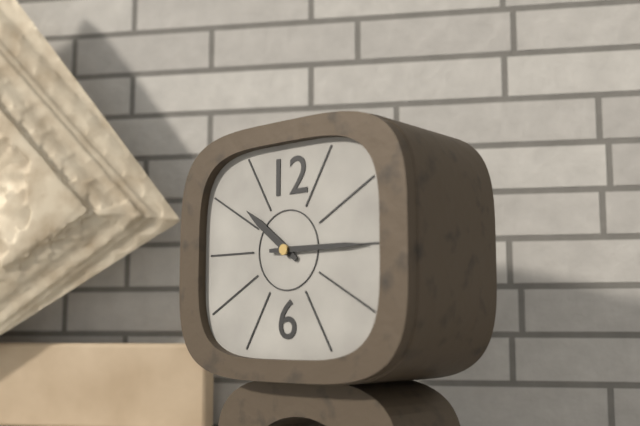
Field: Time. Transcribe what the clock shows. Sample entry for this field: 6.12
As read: 10.15
